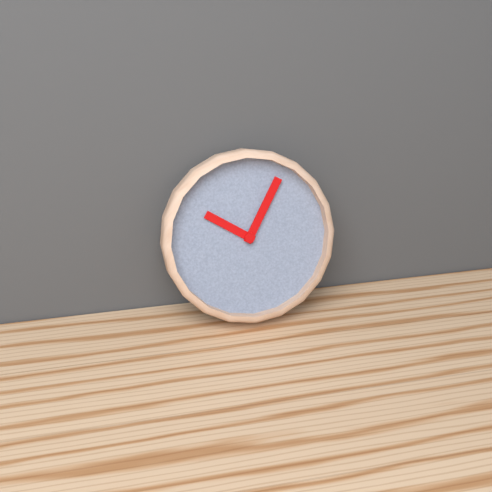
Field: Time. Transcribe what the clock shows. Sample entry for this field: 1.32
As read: 10.05
